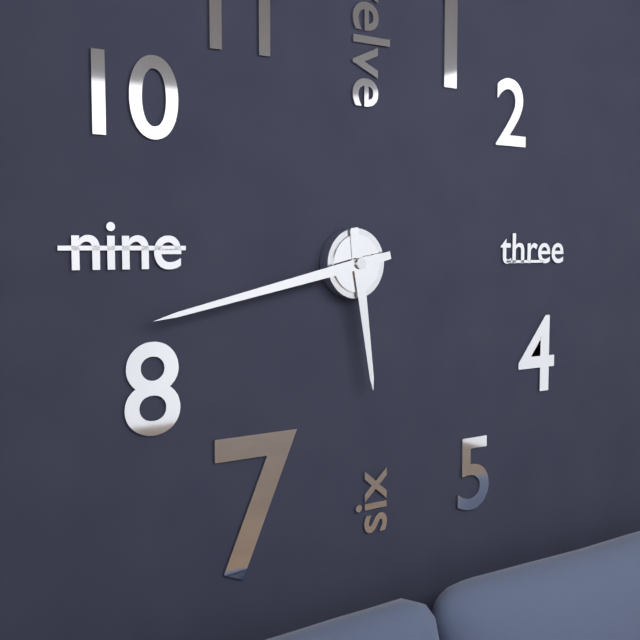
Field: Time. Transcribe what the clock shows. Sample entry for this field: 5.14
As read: 5.43
